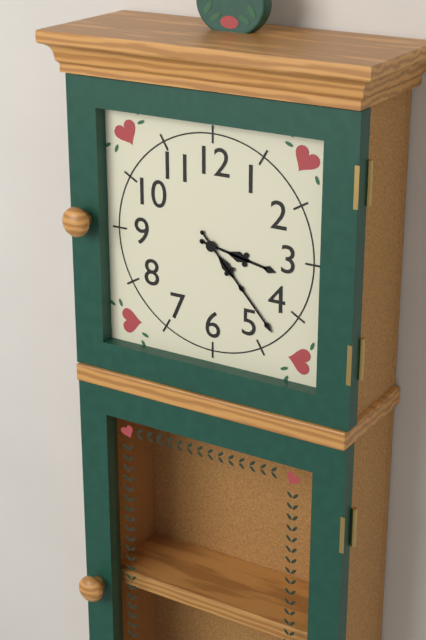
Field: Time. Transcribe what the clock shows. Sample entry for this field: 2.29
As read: 3.23
